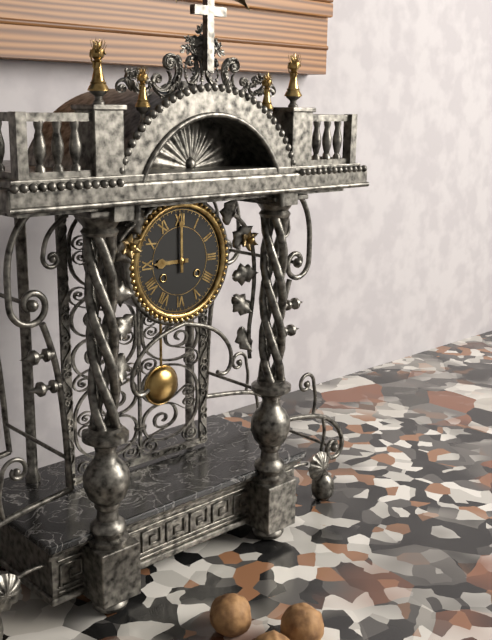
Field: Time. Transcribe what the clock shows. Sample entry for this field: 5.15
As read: 9.00
